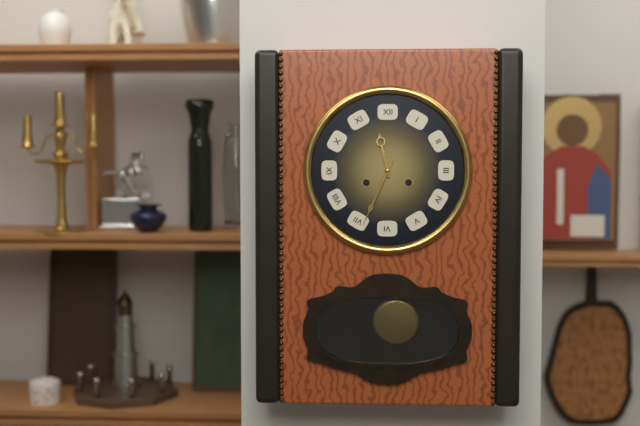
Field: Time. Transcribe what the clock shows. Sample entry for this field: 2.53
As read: 11.34
